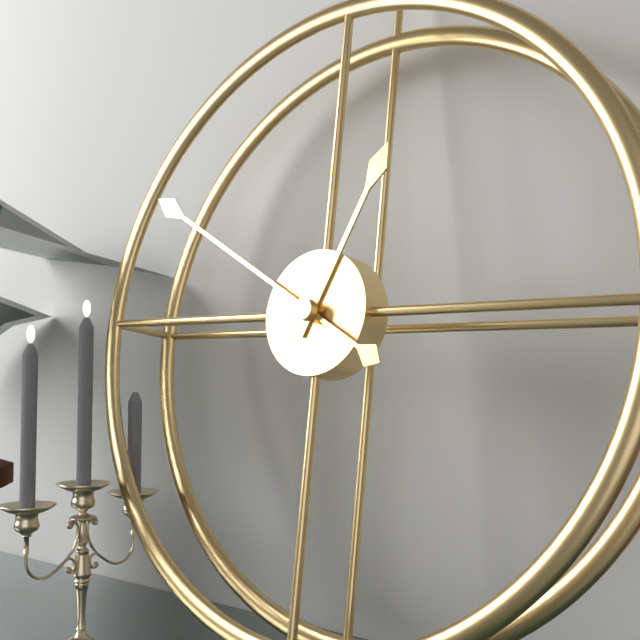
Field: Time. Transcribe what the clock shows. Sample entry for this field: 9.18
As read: 12.50
